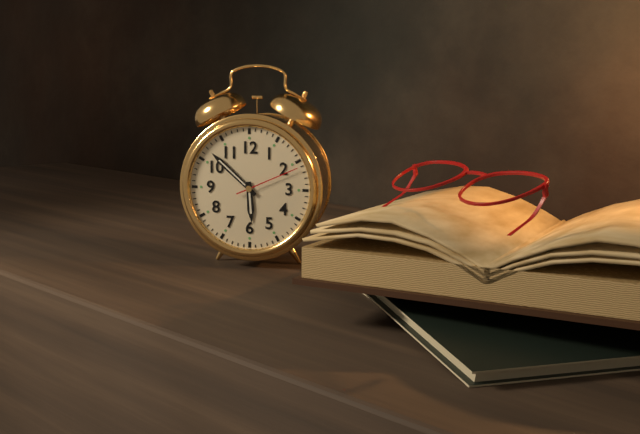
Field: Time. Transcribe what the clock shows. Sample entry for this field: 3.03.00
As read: 5.52.11
